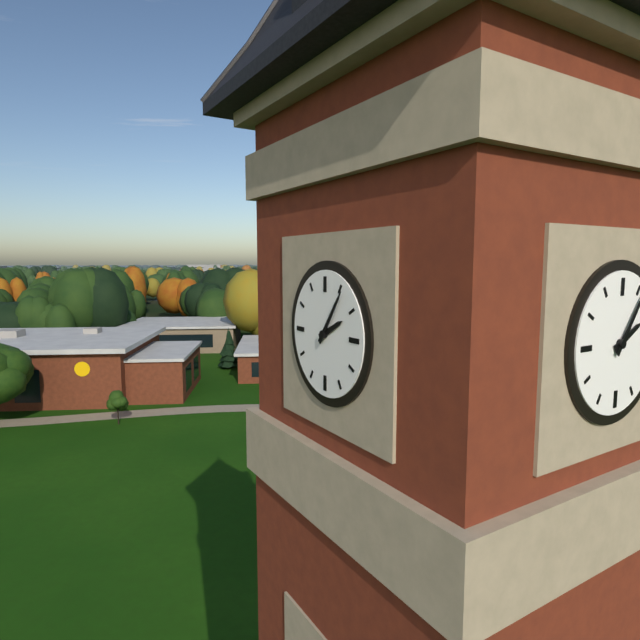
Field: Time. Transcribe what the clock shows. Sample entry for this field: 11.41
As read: 2.06
